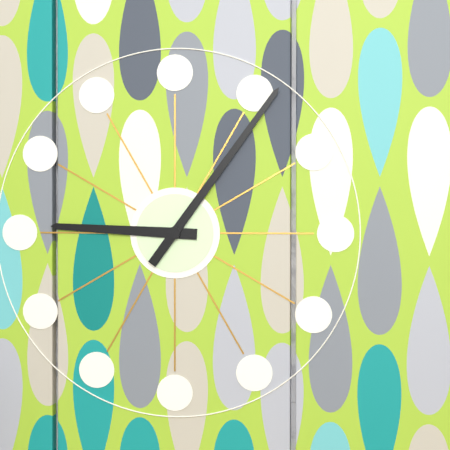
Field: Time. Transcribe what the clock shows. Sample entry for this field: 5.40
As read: 9.06
